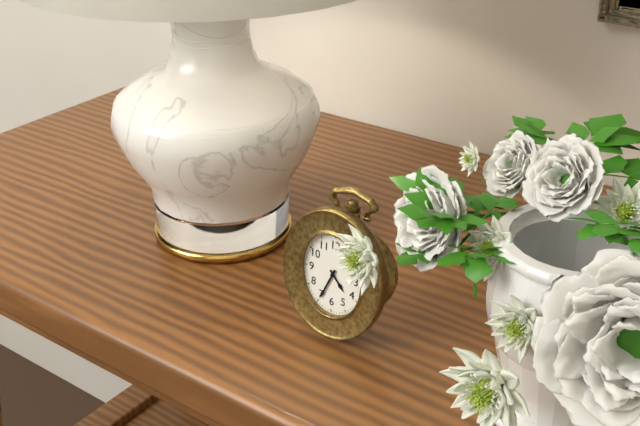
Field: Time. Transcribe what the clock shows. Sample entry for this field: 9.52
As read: 4.34
